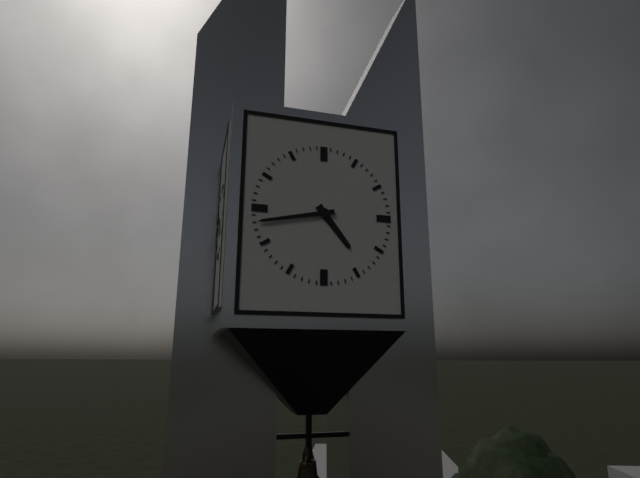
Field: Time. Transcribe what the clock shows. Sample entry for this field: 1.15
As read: 4.43
